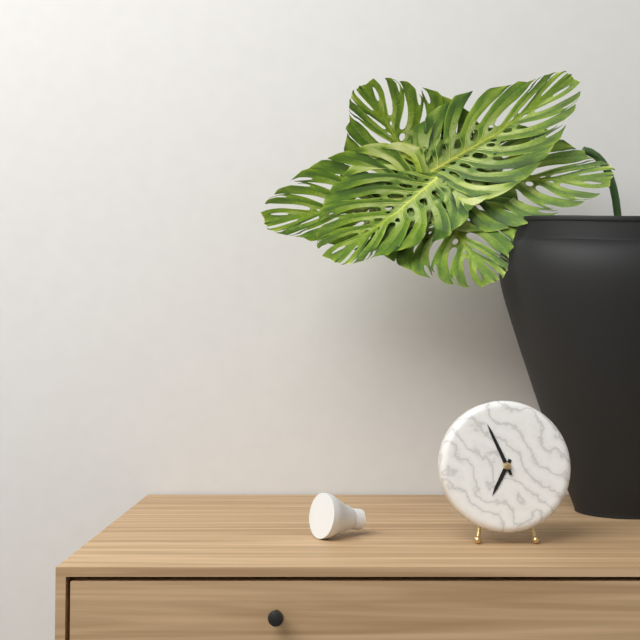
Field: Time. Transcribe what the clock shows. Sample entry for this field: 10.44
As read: 6.56
